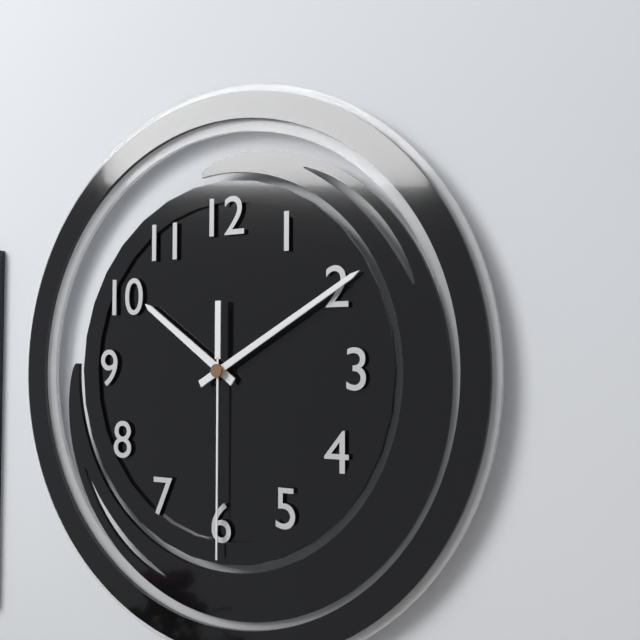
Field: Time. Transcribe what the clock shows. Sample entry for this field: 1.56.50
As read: 10.10.30
